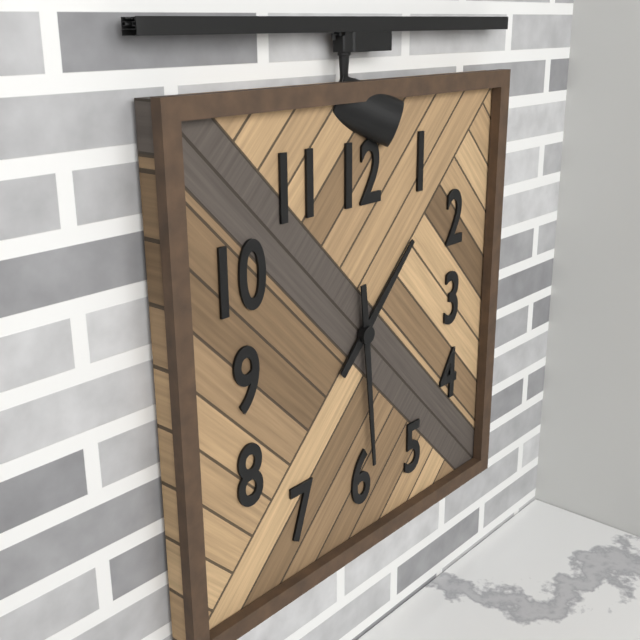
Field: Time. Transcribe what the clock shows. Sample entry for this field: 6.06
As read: 1.29
